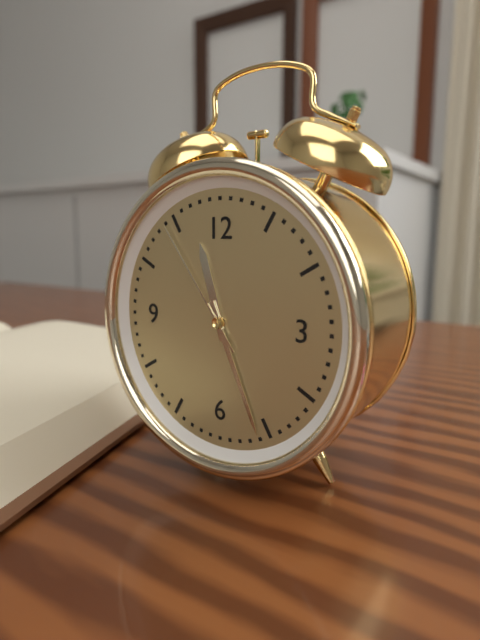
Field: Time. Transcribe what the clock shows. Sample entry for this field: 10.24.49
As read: 11.26.54
